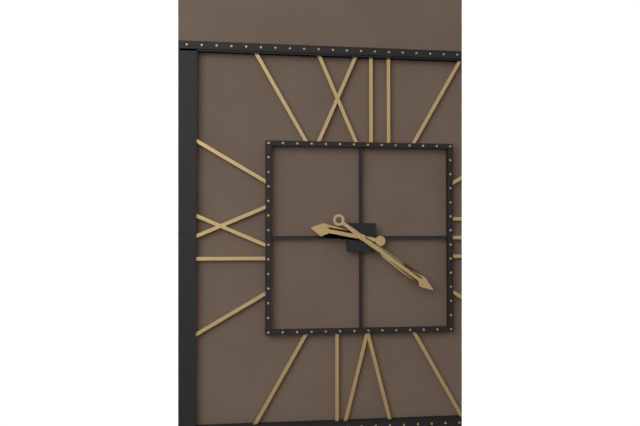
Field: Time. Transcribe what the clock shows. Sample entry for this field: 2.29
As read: 9.21
